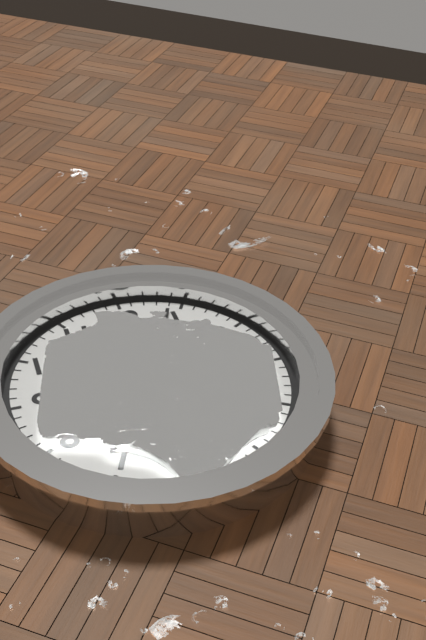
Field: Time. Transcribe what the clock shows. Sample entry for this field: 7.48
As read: 11.04
